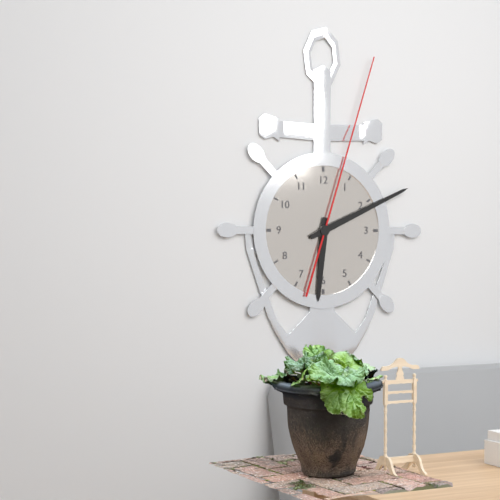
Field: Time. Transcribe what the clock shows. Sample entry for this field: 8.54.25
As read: 6.11.03
